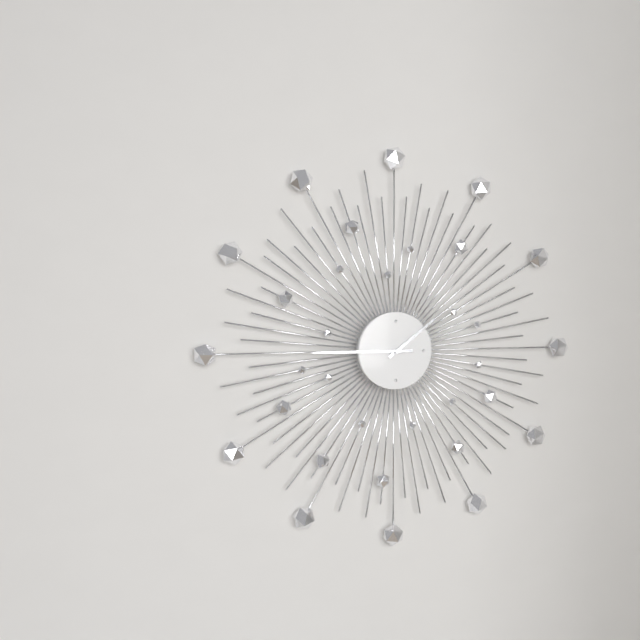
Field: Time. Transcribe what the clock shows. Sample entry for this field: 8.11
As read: 1.45
